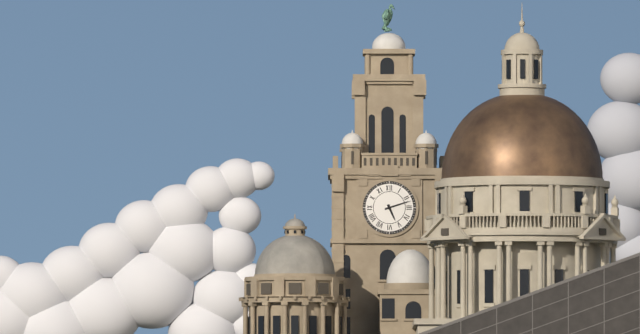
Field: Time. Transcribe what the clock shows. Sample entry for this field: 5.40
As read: 5.12
